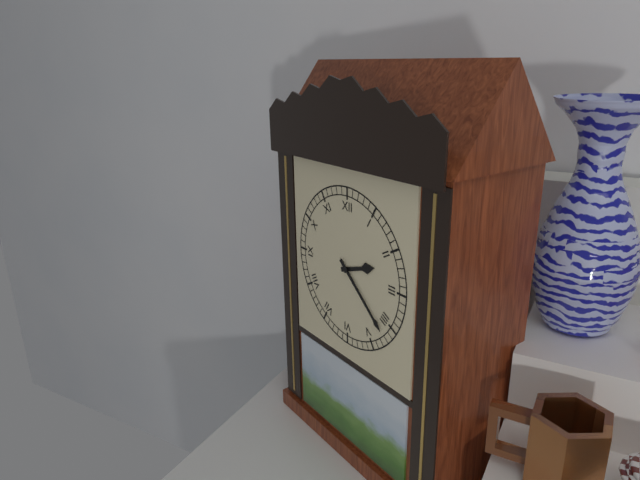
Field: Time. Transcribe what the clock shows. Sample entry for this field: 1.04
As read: 2.22
